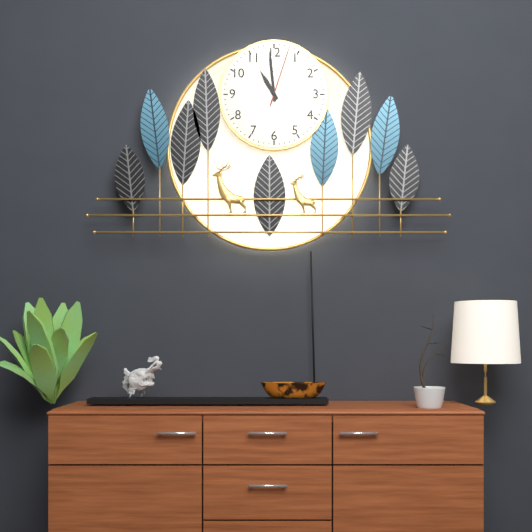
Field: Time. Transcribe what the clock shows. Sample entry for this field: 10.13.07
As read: 10.59.03
